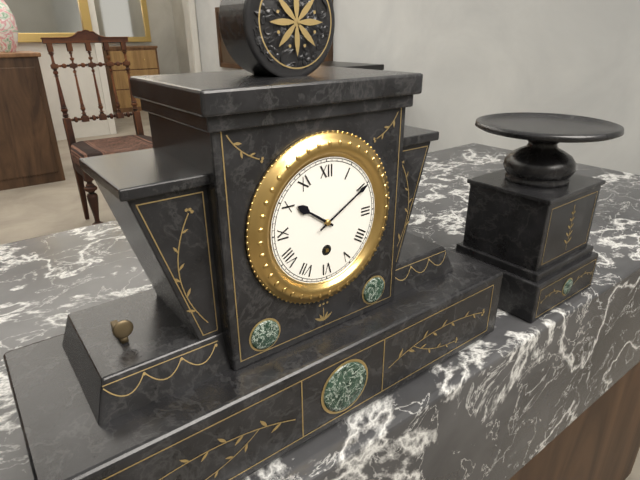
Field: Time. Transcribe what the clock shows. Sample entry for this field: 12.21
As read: 10.10
